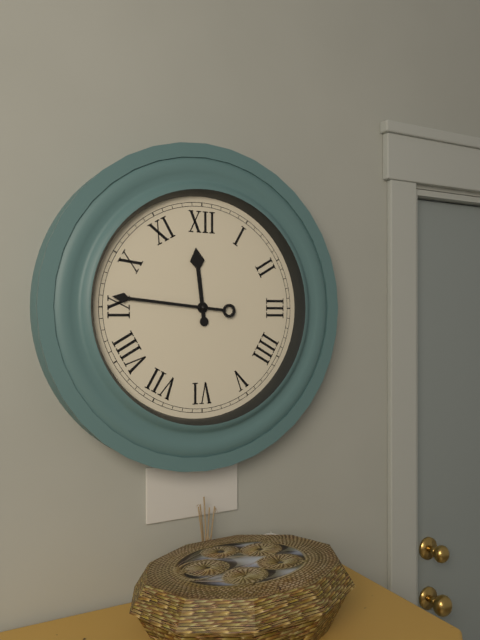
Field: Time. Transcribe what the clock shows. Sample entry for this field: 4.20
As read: 11.46
